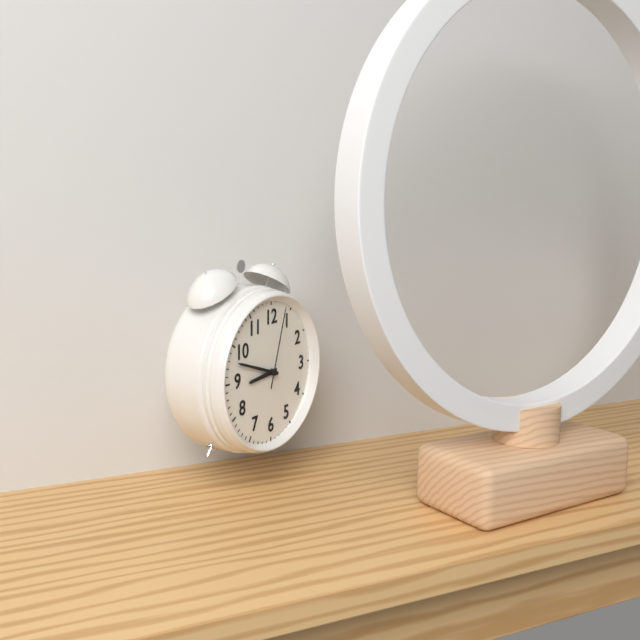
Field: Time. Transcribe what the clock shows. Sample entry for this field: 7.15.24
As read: 8.48.03
